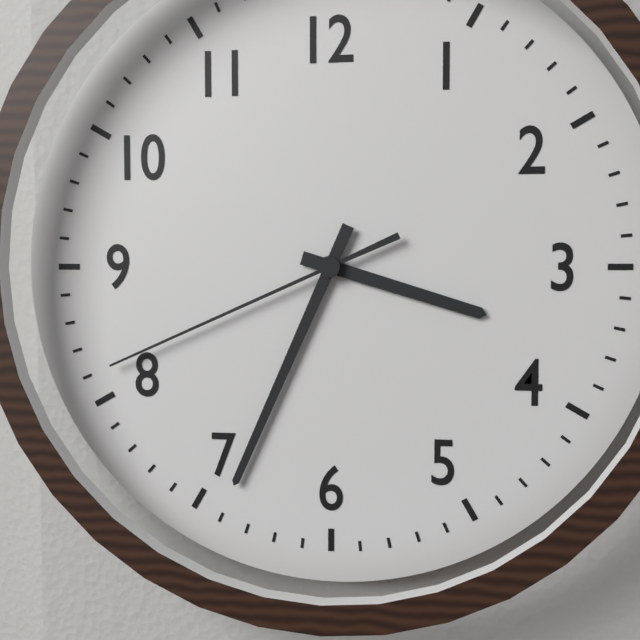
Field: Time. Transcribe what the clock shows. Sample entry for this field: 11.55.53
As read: 3.34.41
